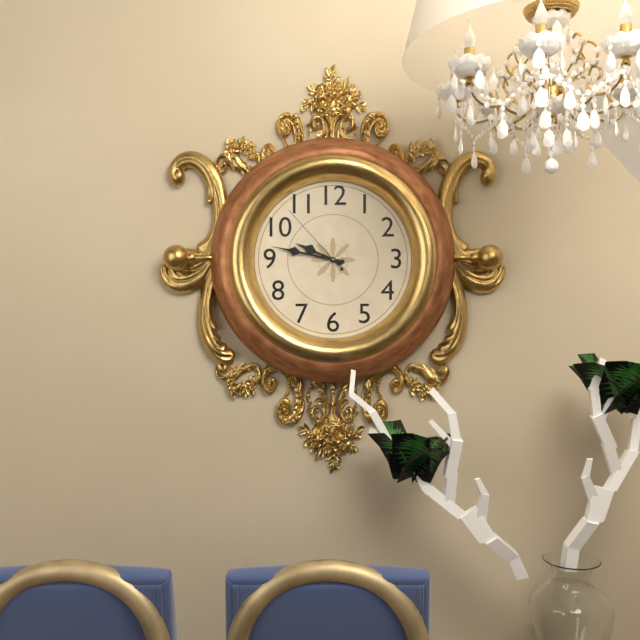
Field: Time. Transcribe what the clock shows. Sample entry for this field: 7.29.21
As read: 9.47.53
